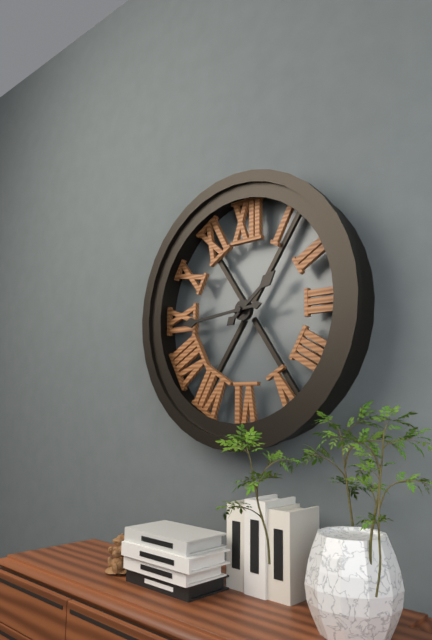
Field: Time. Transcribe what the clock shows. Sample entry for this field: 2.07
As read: 1.44
